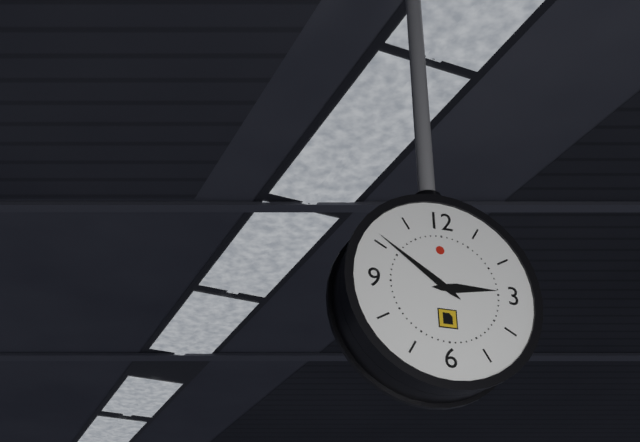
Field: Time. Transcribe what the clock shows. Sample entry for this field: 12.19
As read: 2.51
